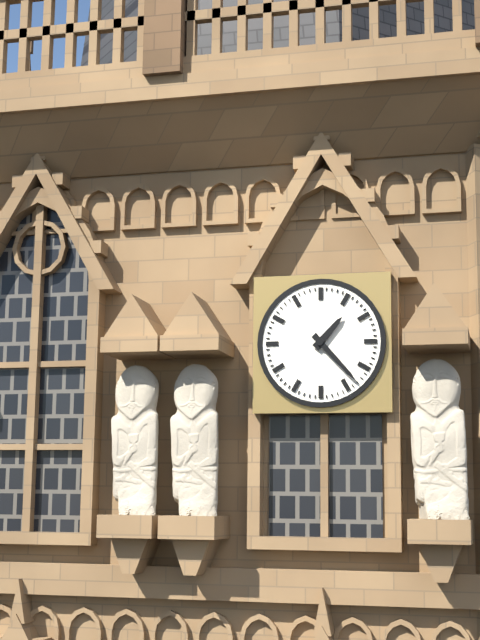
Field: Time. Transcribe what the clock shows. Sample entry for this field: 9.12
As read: 1.23
